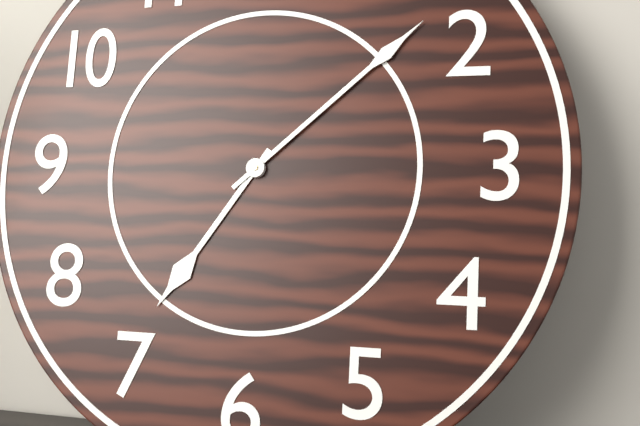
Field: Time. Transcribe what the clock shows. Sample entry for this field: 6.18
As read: 7.08
